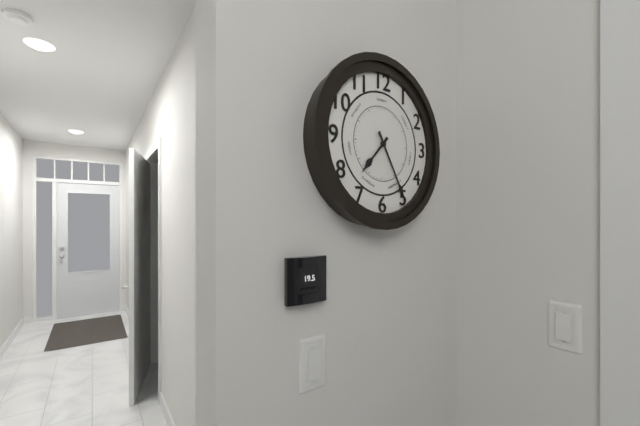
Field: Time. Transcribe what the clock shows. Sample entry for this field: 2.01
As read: 7.25
